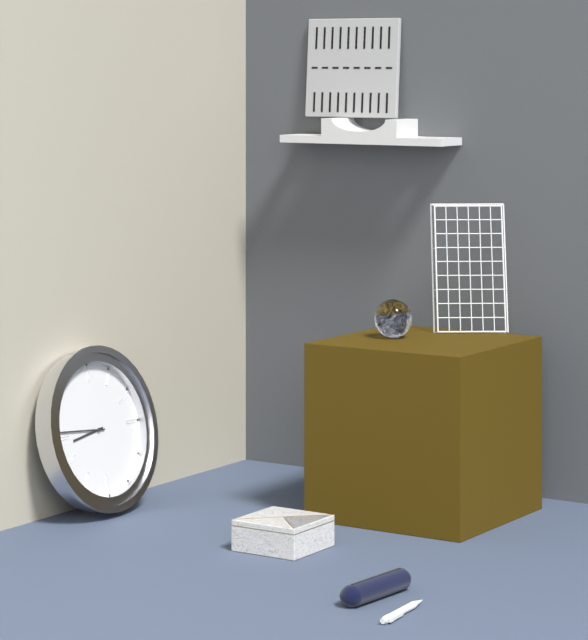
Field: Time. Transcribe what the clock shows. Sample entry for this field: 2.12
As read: 8.46
